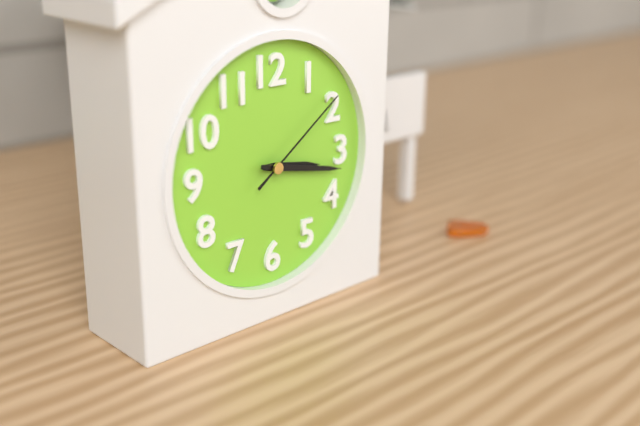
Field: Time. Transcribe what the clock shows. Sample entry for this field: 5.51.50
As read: 3.17.09
